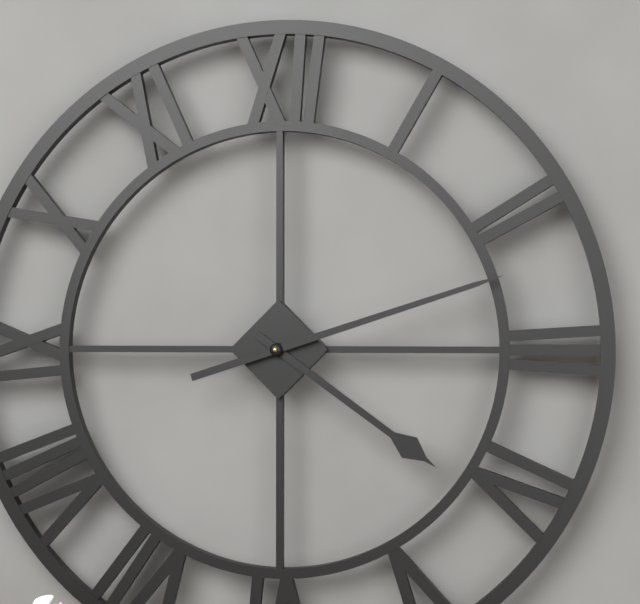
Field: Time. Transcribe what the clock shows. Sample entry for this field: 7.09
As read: 4.12
